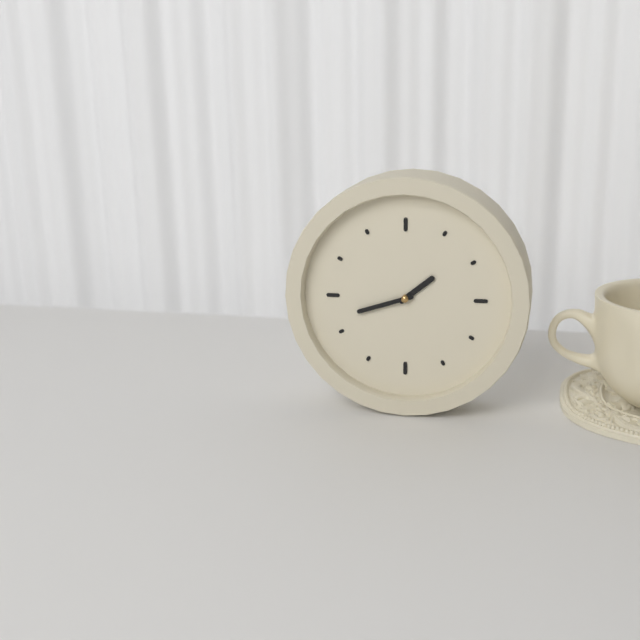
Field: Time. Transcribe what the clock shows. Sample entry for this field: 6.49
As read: 1.42
